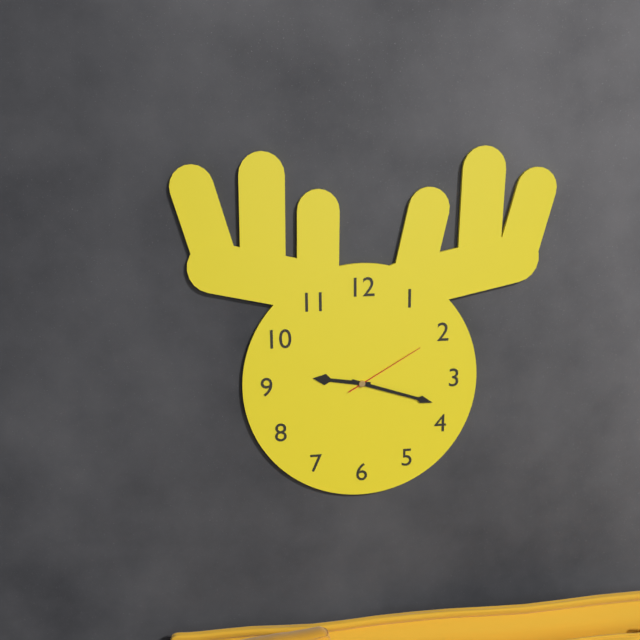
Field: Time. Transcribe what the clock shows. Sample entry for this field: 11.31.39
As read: 9.18.10
